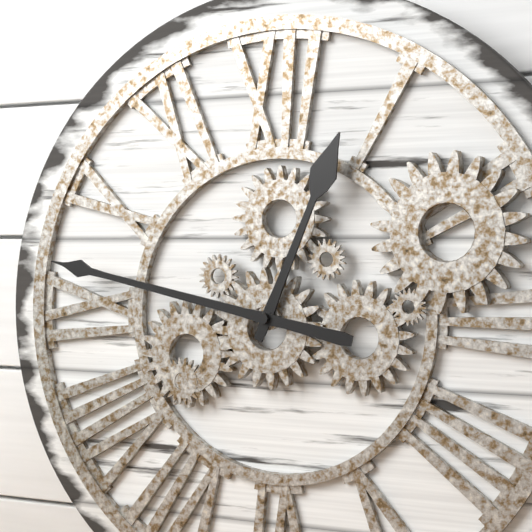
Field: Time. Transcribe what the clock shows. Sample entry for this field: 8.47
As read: 12.47
